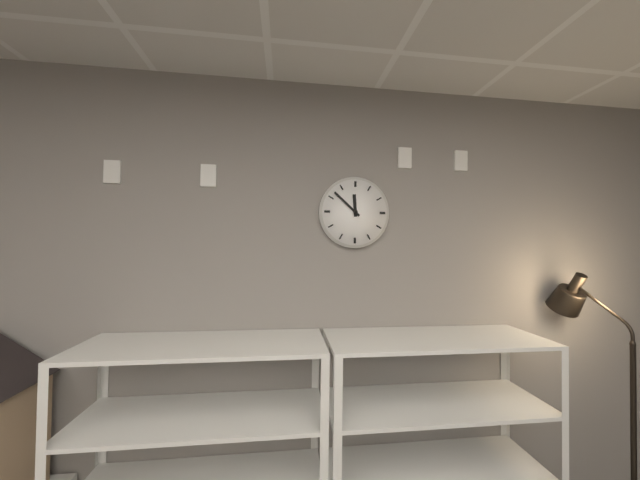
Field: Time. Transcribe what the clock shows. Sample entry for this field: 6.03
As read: 11.52
